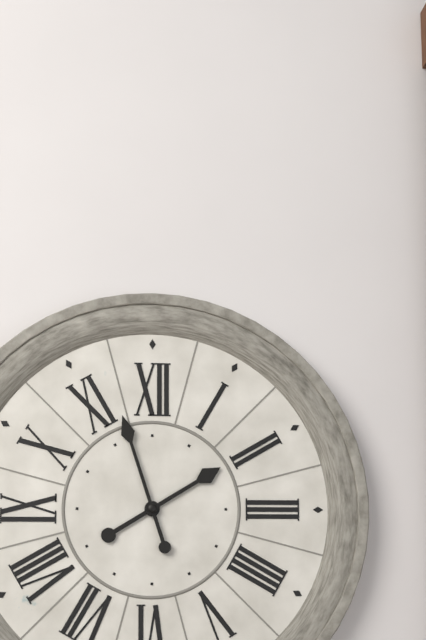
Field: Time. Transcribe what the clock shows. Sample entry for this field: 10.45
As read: 1.57
